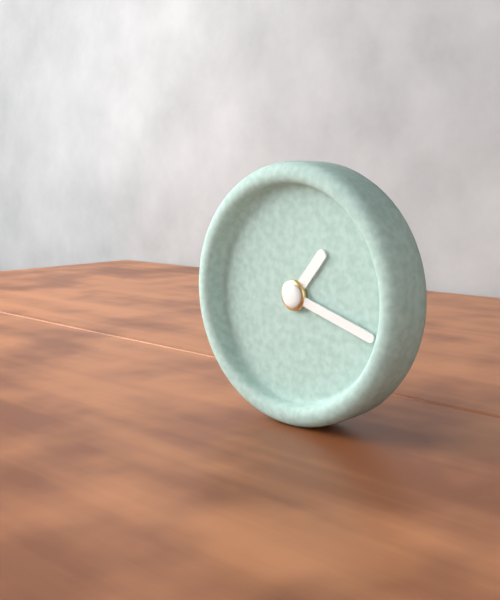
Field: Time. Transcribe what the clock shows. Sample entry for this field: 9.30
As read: 1.18
